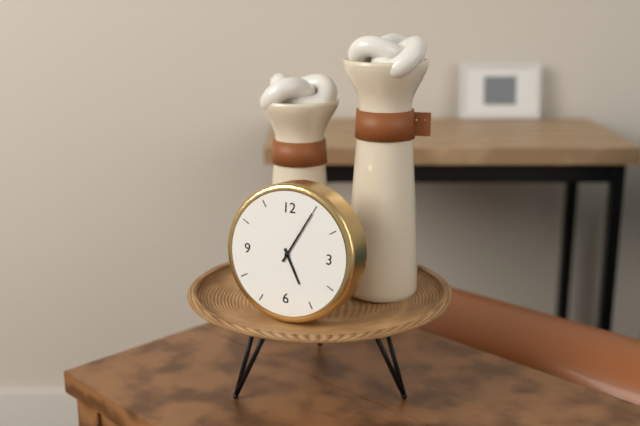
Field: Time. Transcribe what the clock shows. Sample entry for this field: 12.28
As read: 5.05
